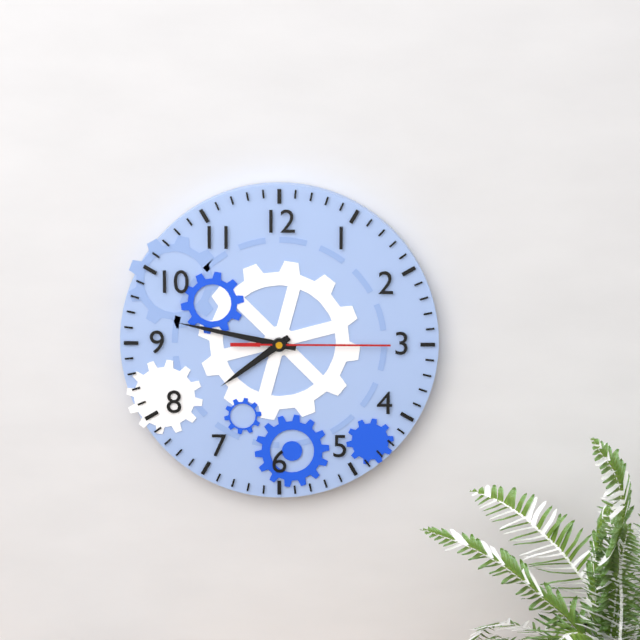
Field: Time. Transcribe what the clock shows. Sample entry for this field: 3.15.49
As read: 7.47.15
